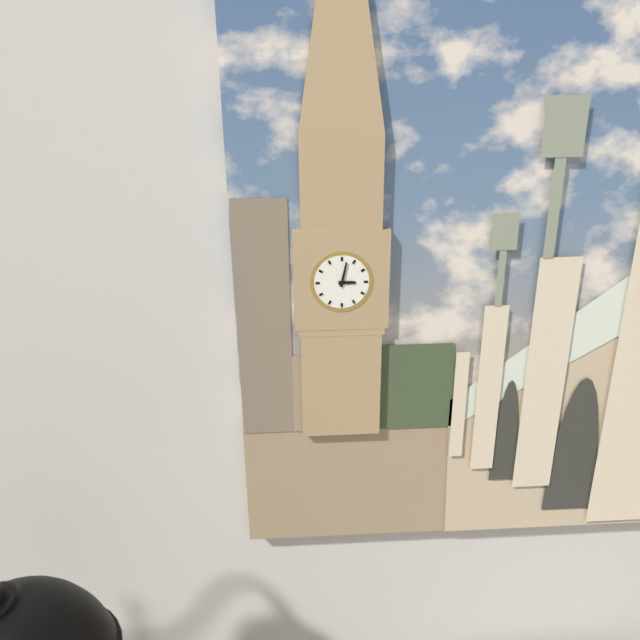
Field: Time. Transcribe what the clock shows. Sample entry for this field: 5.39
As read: 3.02
